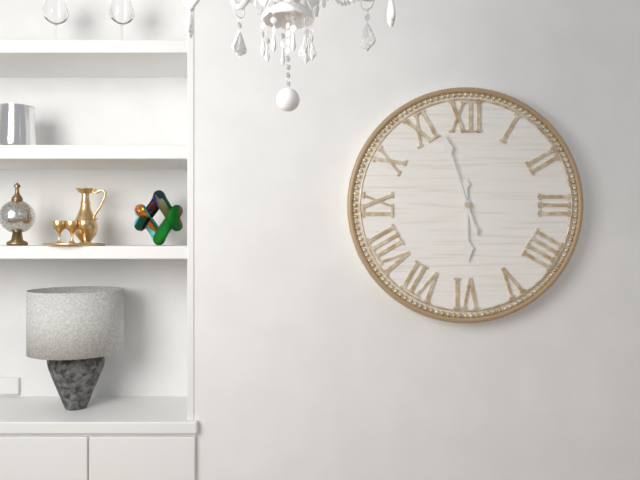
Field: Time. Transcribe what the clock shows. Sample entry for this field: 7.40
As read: 5.57
